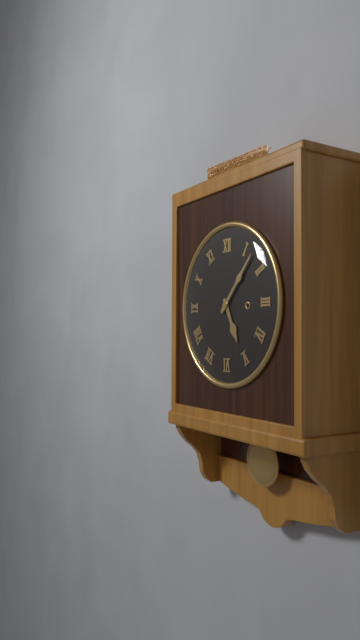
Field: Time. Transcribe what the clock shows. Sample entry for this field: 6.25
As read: 5.07
